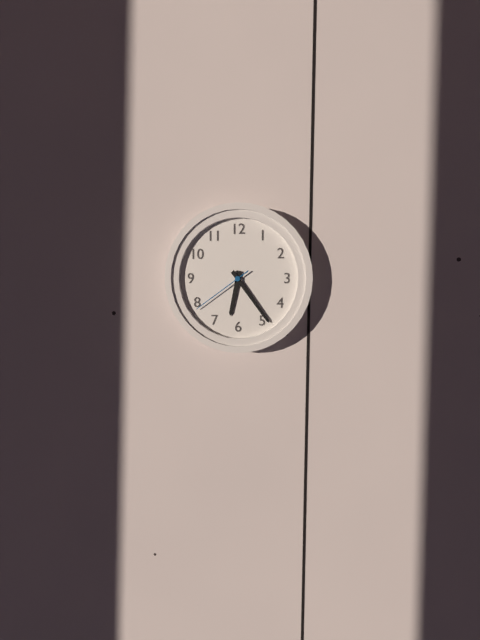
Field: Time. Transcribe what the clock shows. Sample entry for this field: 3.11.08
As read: 6.24.39
